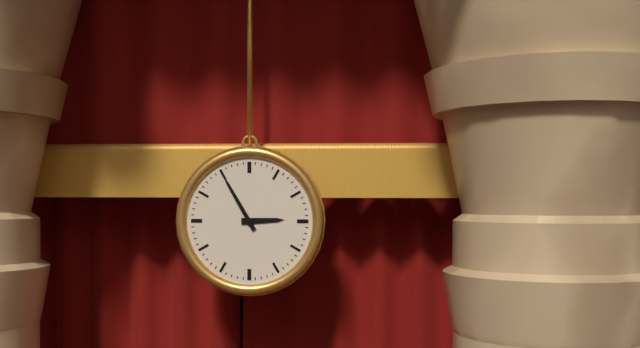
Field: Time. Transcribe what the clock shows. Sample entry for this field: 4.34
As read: 2.55
